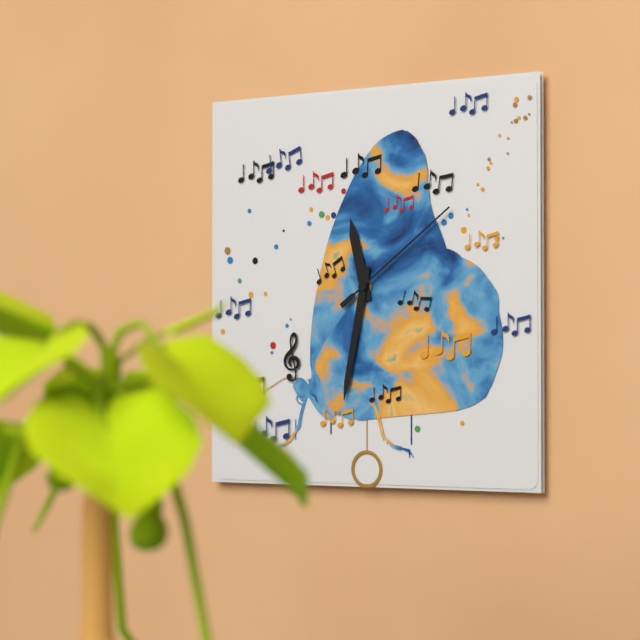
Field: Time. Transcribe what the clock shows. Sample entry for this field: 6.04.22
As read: 11.32.09
